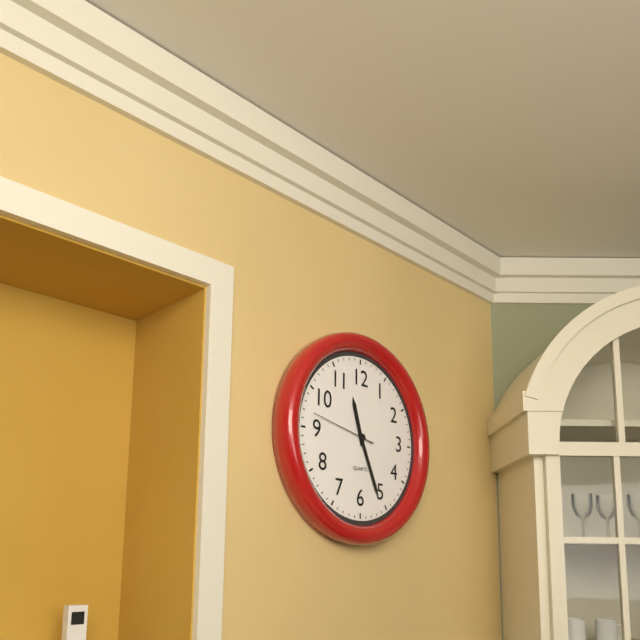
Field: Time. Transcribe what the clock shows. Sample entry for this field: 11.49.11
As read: 11.26.47
